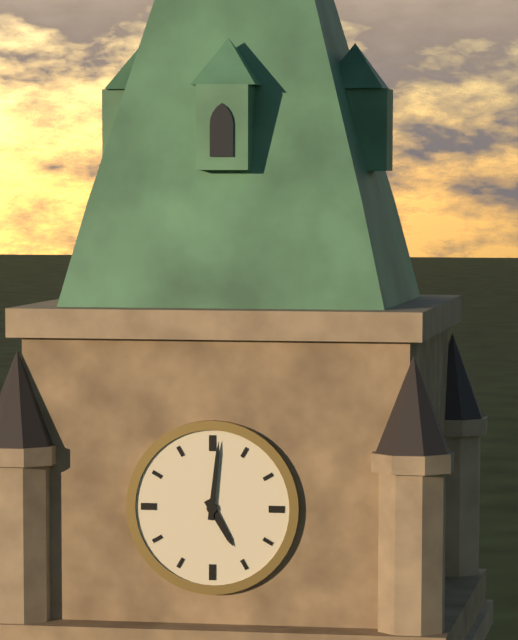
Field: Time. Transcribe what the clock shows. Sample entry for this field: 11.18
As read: 5.01
